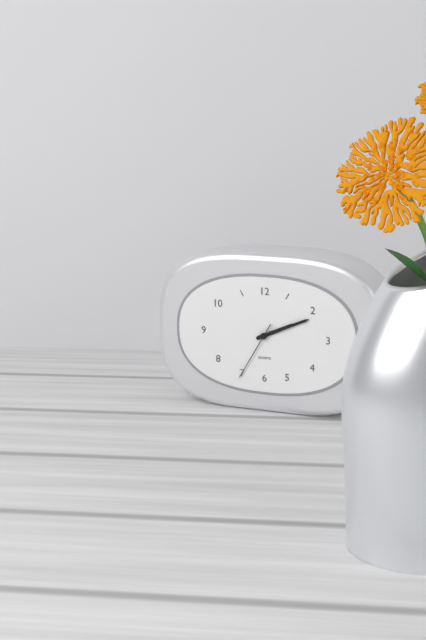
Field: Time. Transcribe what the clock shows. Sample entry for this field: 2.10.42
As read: 2.11.35
